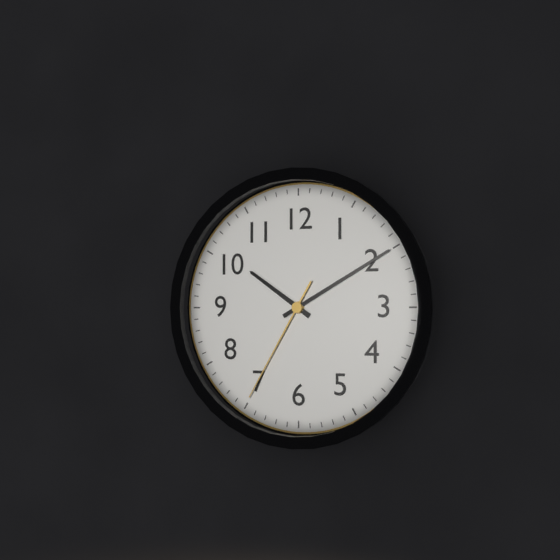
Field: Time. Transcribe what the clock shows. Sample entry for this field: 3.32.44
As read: 10.10.35
